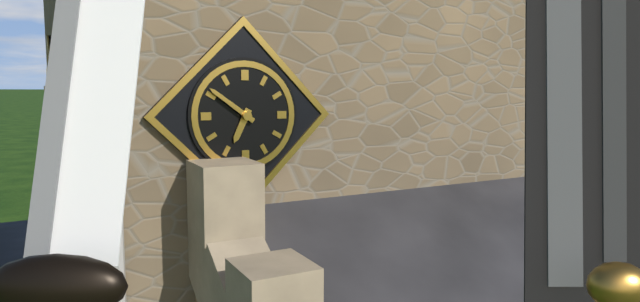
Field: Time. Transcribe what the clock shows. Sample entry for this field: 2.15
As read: 6.51
